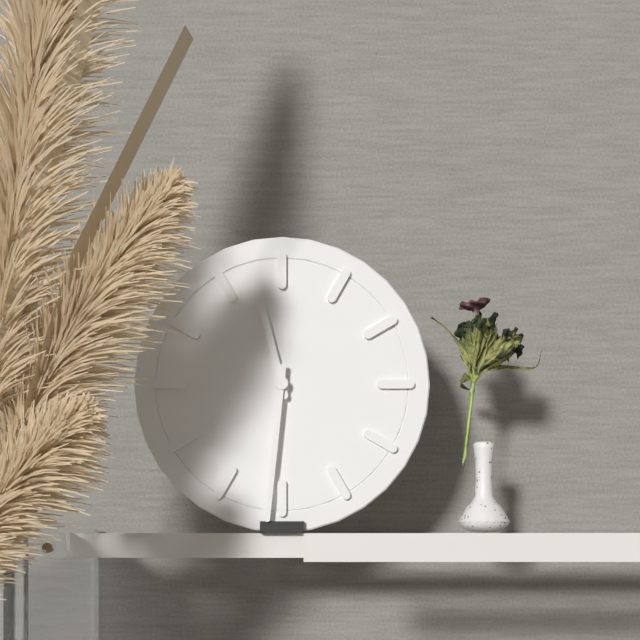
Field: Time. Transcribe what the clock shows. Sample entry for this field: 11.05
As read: 11.31
